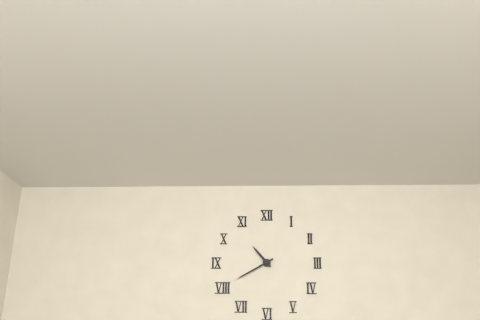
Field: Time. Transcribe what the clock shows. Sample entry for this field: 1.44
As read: 10.40
